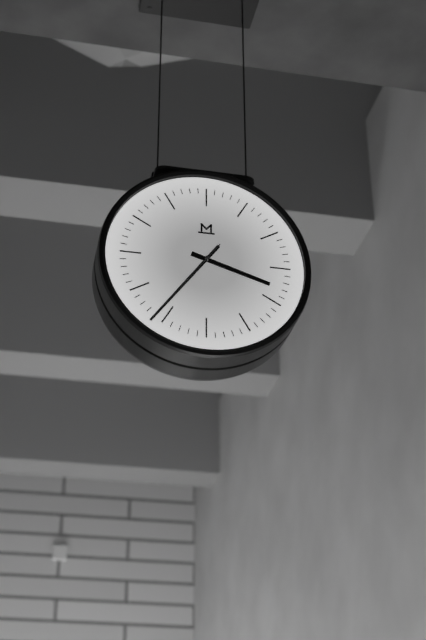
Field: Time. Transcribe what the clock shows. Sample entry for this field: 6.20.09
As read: 3.36.36
